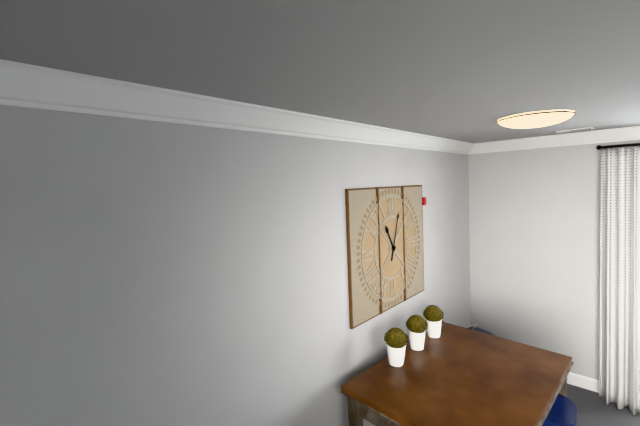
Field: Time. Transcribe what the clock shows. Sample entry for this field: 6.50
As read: 11.03
